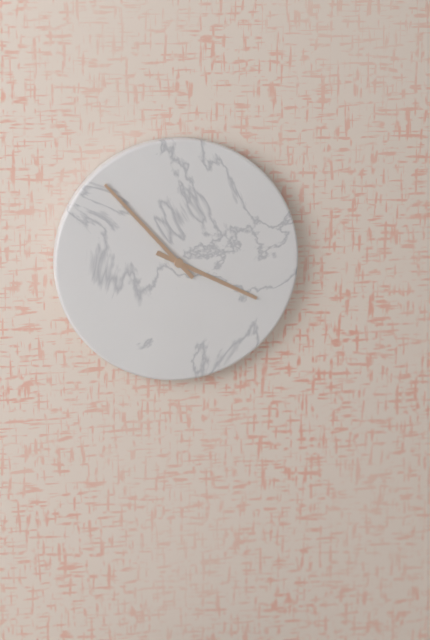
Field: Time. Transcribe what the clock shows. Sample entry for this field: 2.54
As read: 3.53
